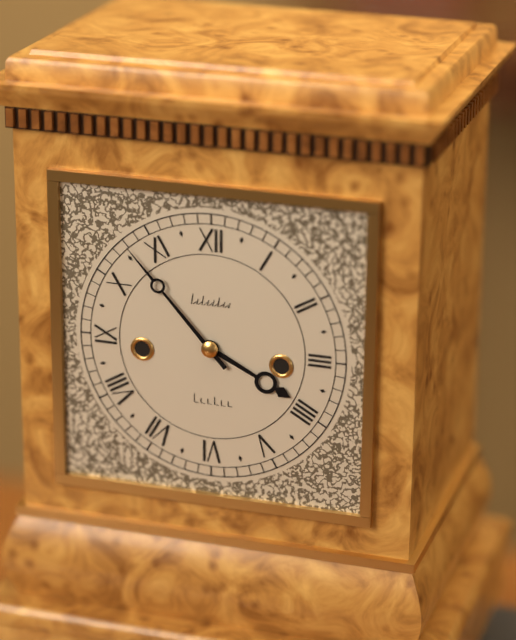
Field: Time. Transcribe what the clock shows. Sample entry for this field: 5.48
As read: 3.53
